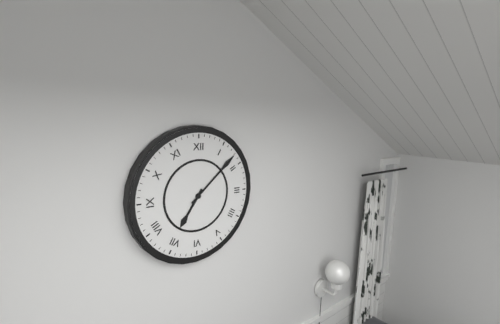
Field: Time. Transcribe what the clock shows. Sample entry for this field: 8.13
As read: 7.08
